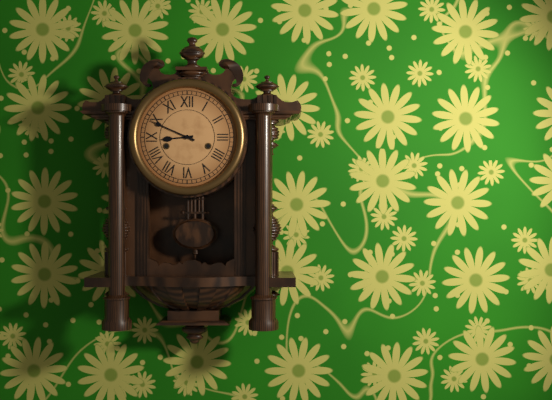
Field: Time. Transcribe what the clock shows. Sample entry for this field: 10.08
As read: 8.49
